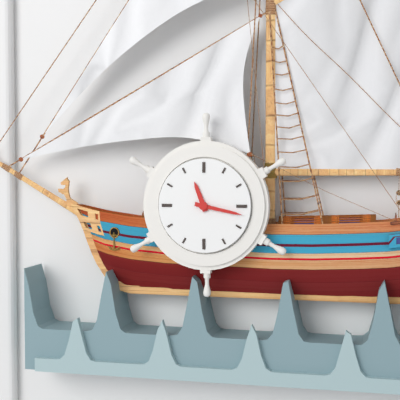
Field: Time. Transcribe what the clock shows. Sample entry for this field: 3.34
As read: 11.17
